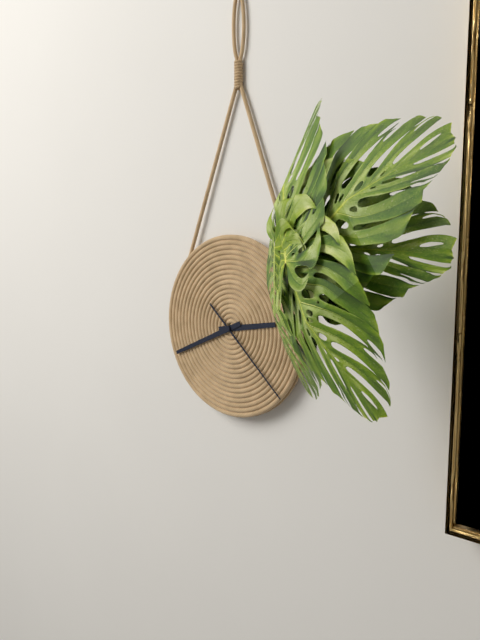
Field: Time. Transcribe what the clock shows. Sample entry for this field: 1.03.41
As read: 2.41.22
